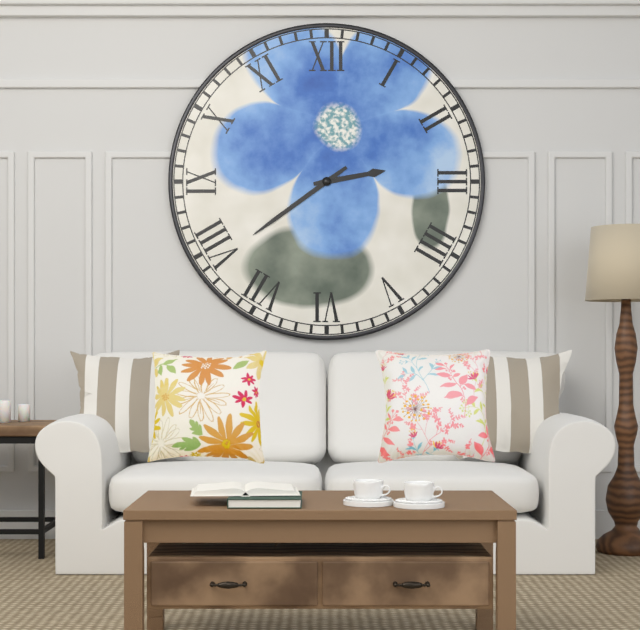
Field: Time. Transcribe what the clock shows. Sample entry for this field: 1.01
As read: 2.39
